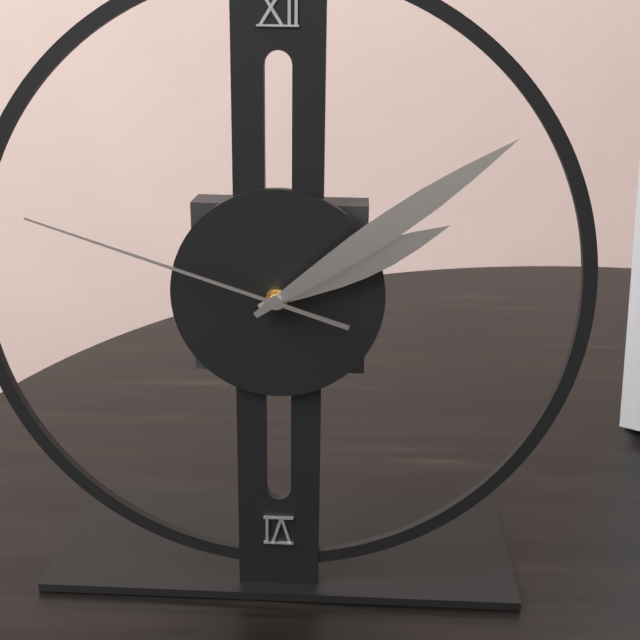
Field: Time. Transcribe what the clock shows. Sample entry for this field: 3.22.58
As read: 2.09.48
